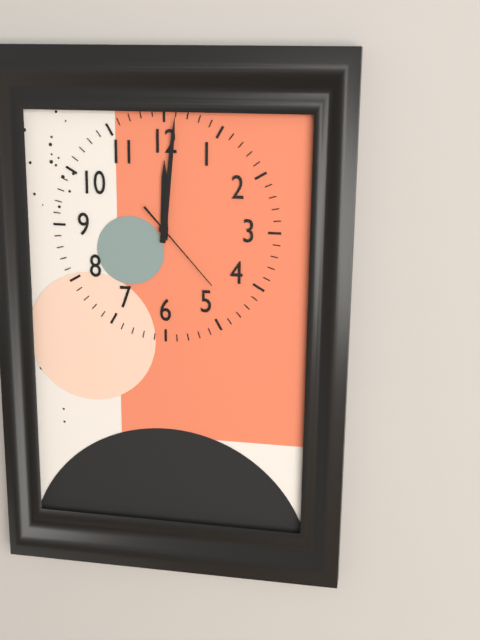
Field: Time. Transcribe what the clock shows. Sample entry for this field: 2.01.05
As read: 12.01.23
